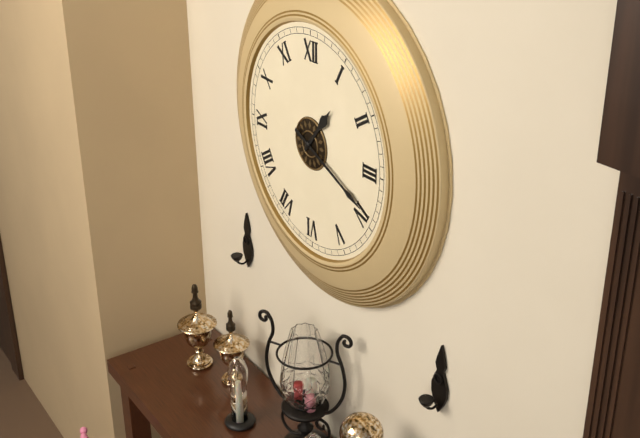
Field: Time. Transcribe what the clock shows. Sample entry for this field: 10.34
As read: 1.19
